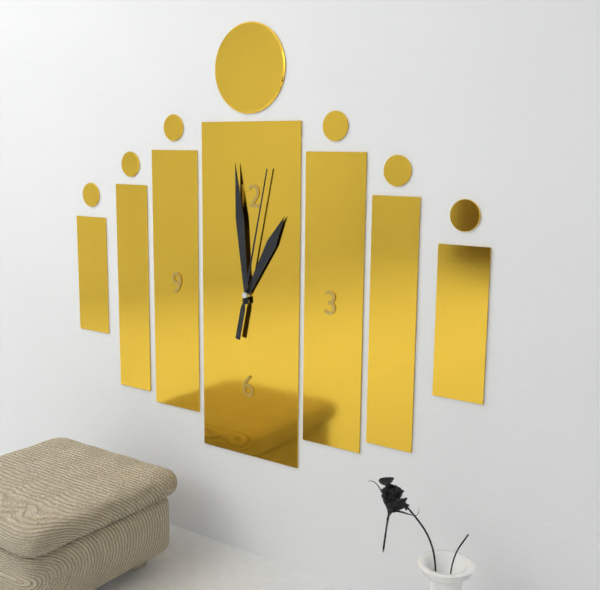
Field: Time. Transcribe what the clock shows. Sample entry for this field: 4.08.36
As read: 12.59.02
